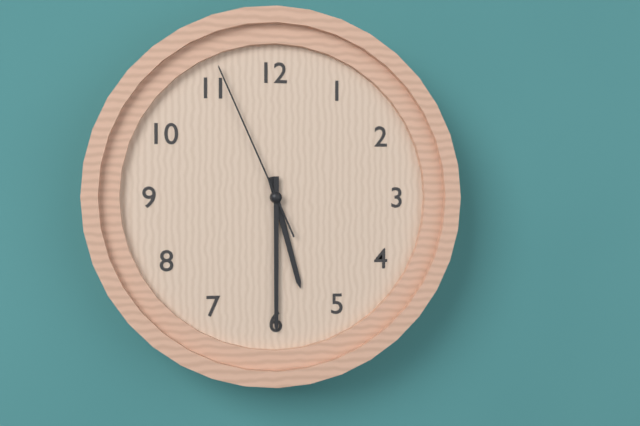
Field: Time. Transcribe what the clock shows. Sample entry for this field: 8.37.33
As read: 5.30.56
